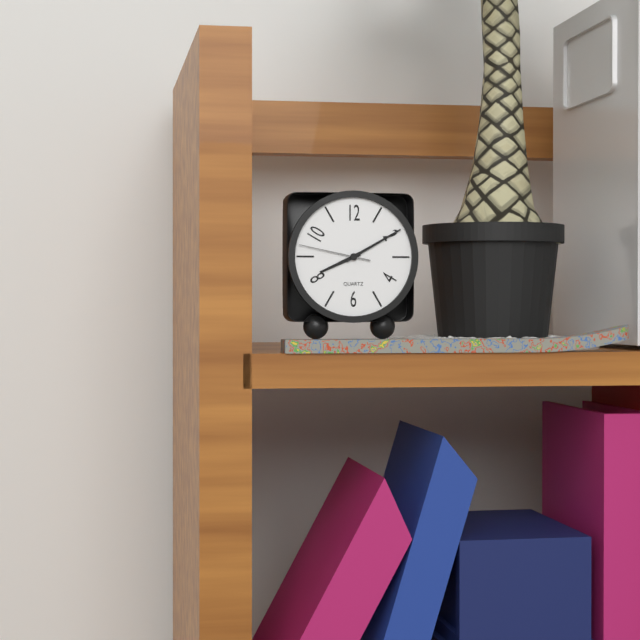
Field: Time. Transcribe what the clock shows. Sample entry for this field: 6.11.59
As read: 8.10.47
